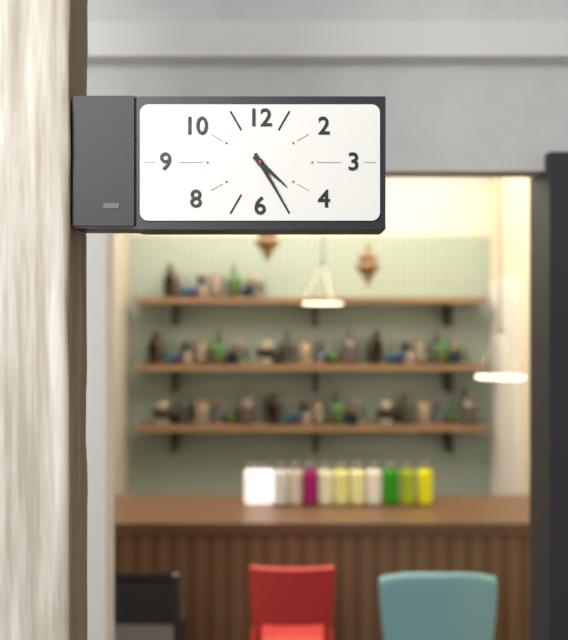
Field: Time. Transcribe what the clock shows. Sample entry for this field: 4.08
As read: 4.25
